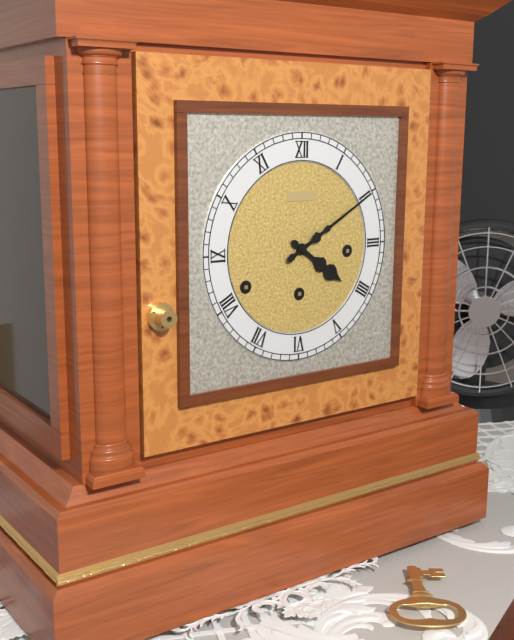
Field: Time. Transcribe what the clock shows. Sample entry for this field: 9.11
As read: 4.10
